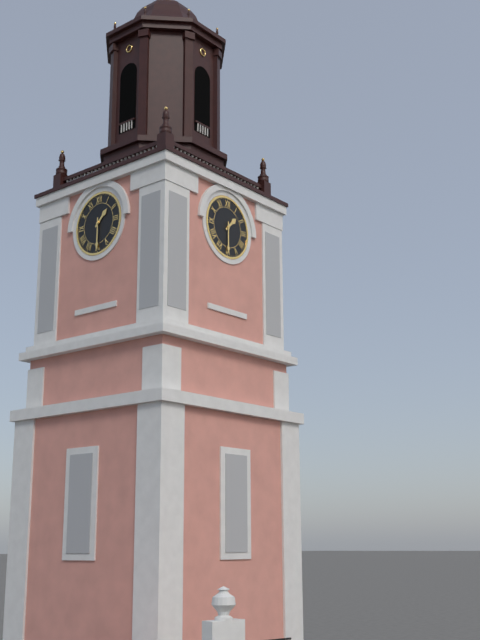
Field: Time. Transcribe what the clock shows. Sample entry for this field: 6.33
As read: 1.30
